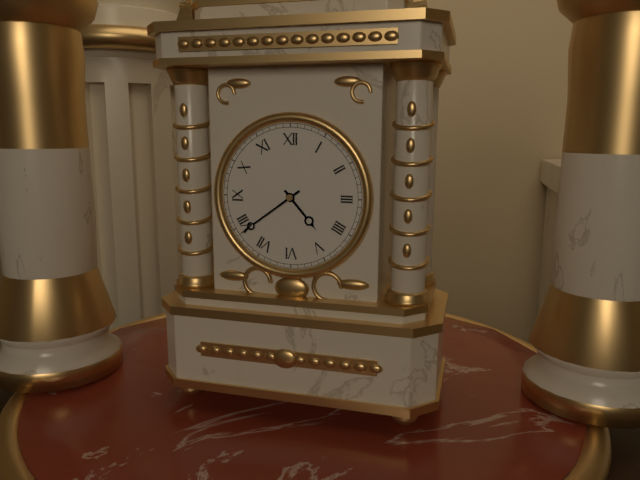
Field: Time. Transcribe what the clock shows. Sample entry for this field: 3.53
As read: 4.39
